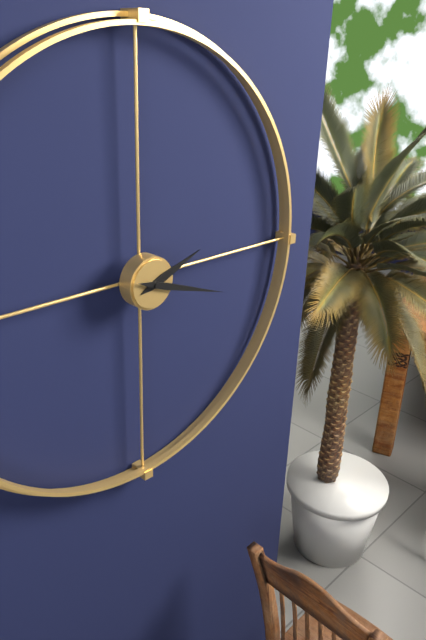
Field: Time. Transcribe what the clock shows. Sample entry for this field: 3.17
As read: 2.18
